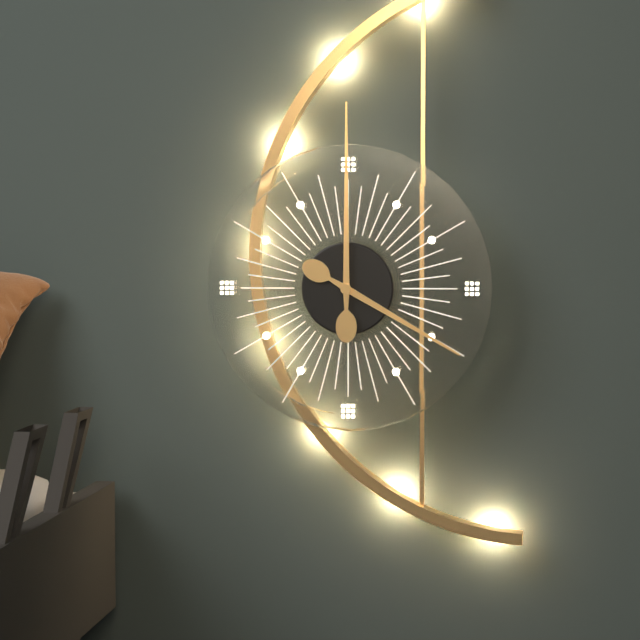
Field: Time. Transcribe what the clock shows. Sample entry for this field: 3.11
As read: 4.00
